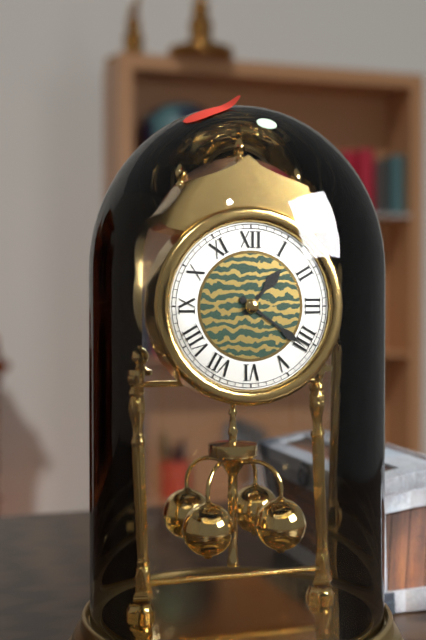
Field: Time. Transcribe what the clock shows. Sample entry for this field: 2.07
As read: 1.21
